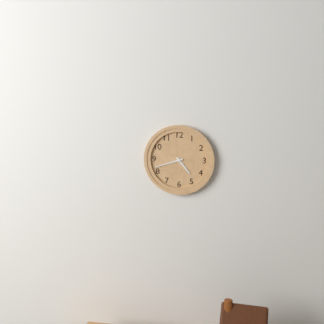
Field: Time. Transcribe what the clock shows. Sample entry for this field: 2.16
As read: 4.42
